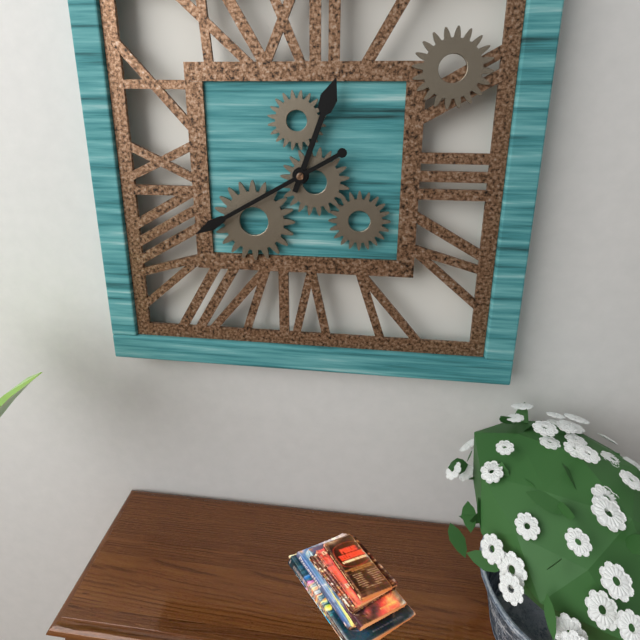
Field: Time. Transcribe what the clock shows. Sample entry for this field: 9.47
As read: 12.40
